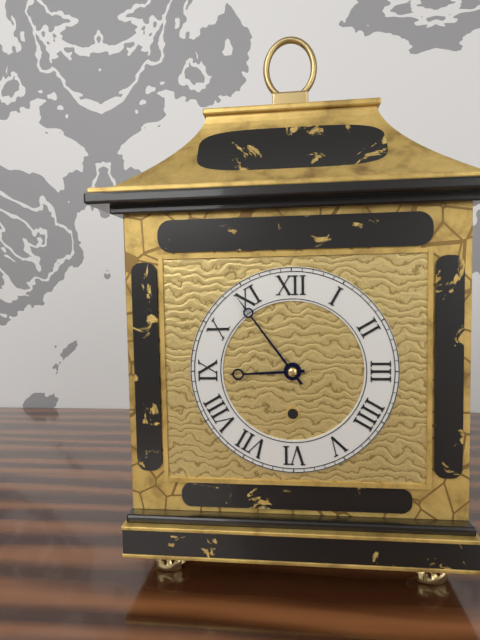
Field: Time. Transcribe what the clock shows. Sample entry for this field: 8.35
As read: 8.54
